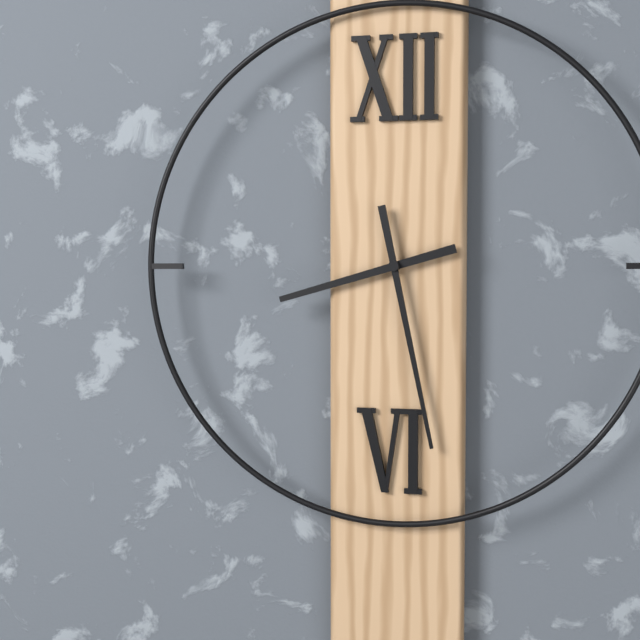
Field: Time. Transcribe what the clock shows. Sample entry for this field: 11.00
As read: 8.28
